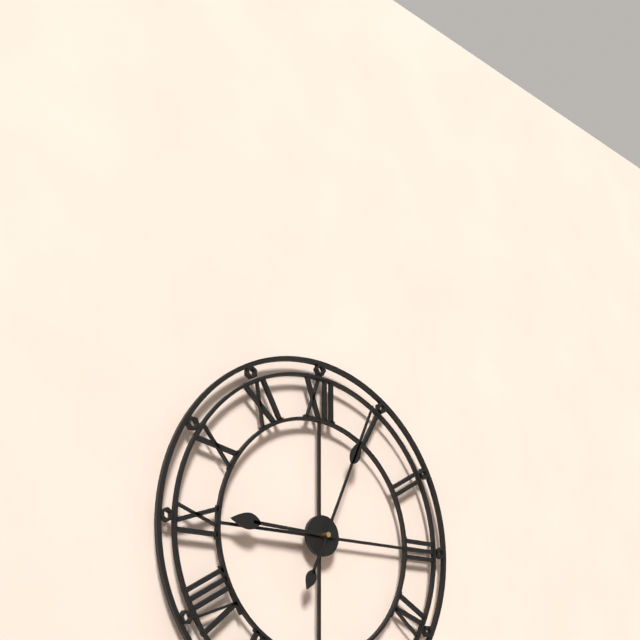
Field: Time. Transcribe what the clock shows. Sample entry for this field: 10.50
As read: 9.04
